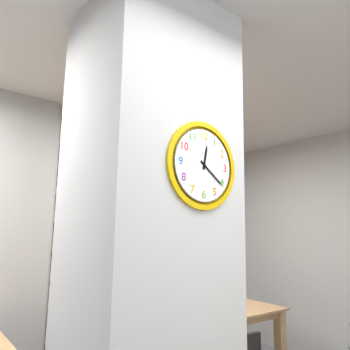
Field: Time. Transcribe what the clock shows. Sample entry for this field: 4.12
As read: 12.21
